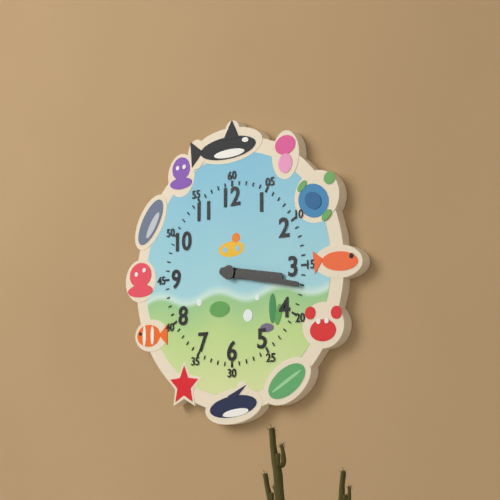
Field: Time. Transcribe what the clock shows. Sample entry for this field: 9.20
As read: 3.17
